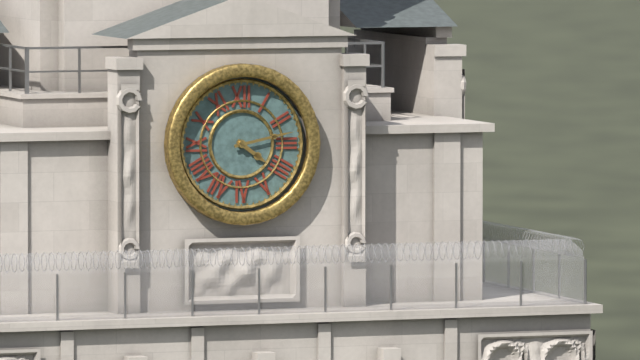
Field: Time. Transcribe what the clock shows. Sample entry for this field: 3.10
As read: 4.13
